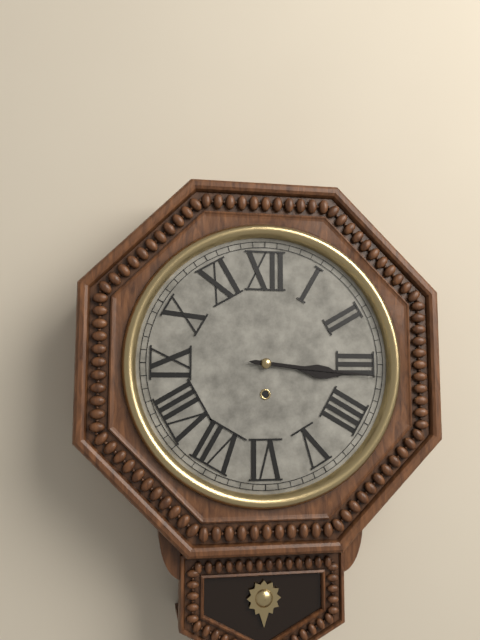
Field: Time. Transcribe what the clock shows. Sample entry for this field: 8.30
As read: 3.16
